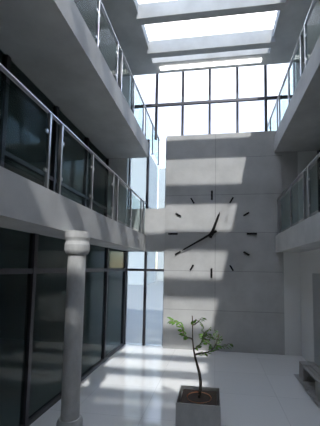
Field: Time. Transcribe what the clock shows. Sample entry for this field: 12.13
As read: 12.40
